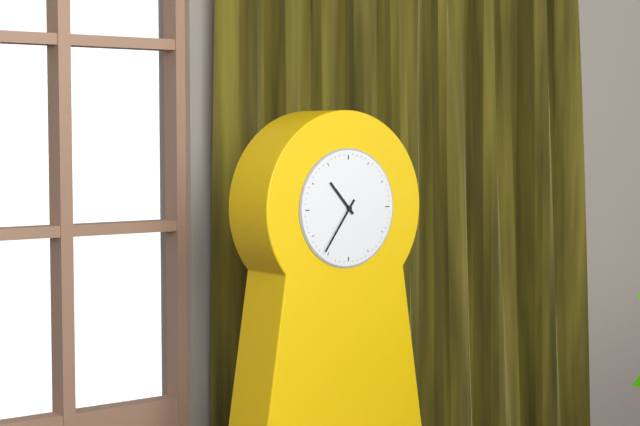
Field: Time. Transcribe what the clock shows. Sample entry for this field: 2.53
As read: 10.36
